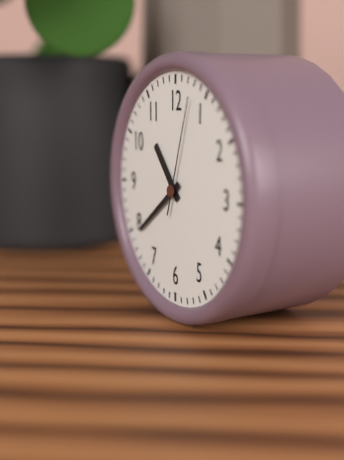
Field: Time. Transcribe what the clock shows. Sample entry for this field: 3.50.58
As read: 10.39.03
